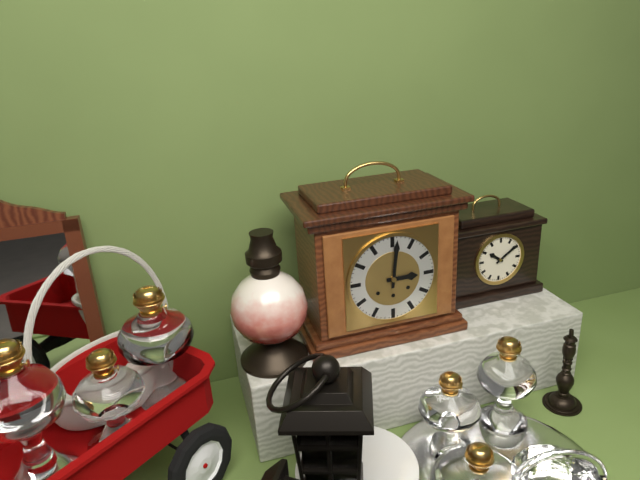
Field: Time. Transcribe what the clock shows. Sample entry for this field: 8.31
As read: 3.01
